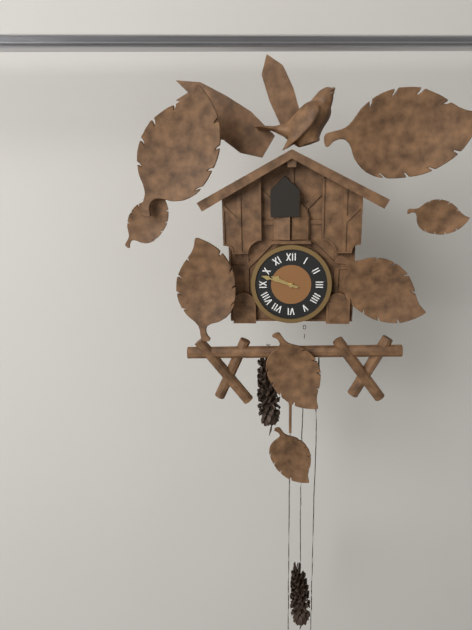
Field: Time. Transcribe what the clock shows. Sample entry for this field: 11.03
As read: 9.48
